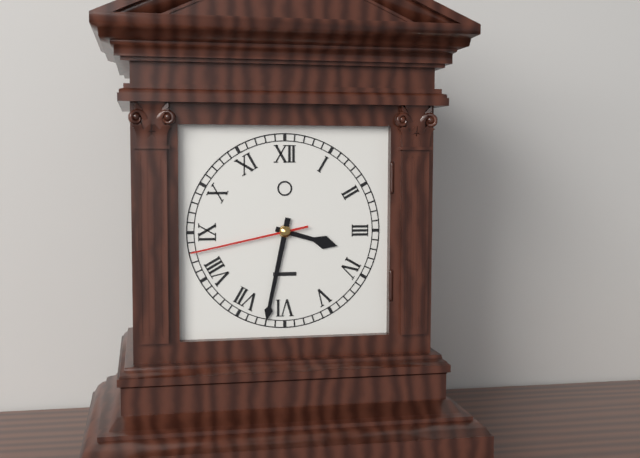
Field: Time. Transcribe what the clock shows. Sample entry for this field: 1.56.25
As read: 3.32.43
